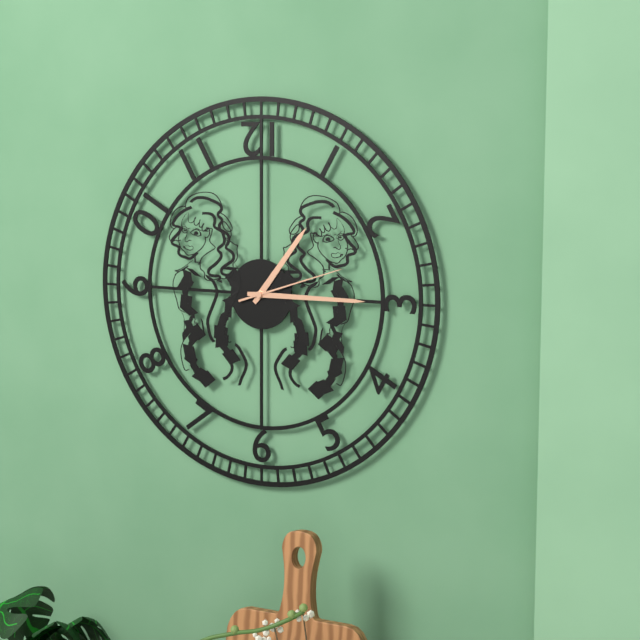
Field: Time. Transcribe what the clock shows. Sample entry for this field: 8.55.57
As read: 1.15.12
